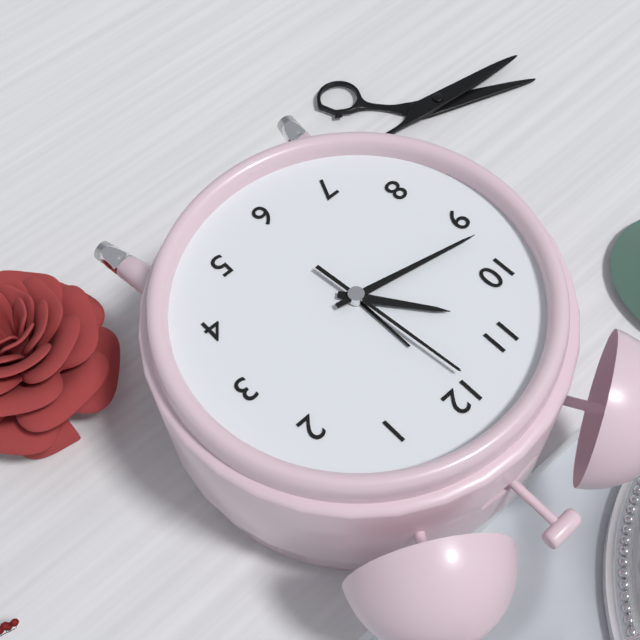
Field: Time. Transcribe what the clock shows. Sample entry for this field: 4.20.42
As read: 10.47.59
